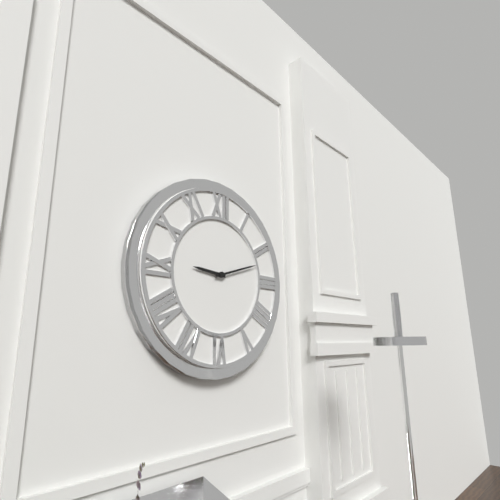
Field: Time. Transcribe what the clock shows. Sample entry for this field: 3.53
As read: 9.12
